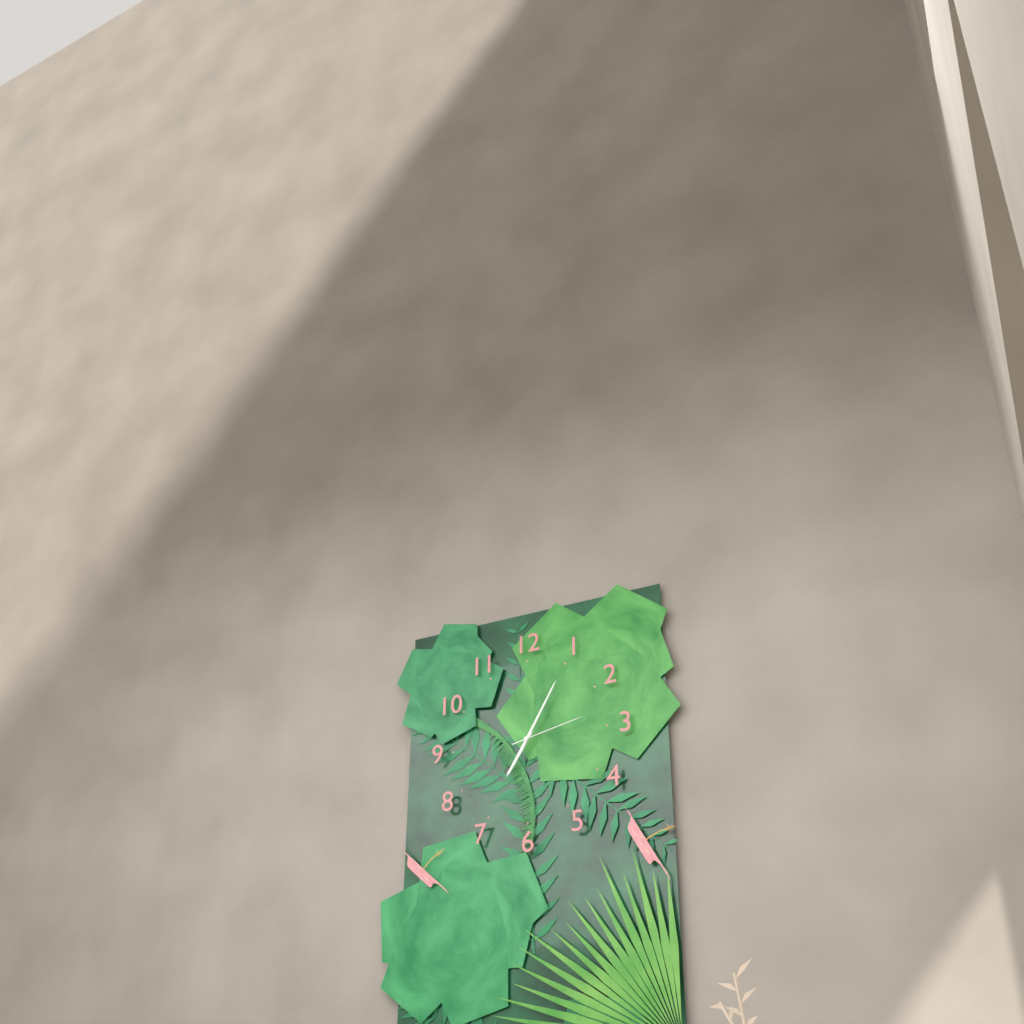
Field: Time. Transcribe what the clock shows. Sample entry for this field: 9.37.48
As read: 7.05.13
